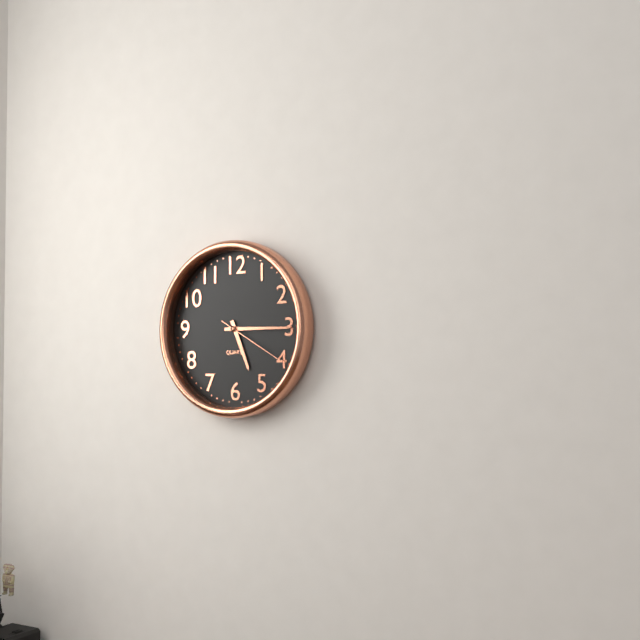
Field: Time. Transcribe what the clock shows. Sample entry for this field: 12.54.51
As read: 5.15.20
